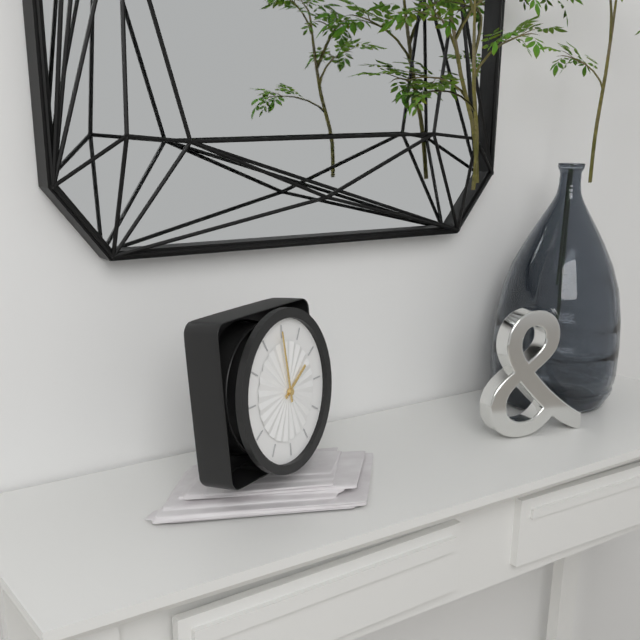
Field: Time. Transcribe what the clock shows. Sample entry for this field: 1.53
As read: 1.59
